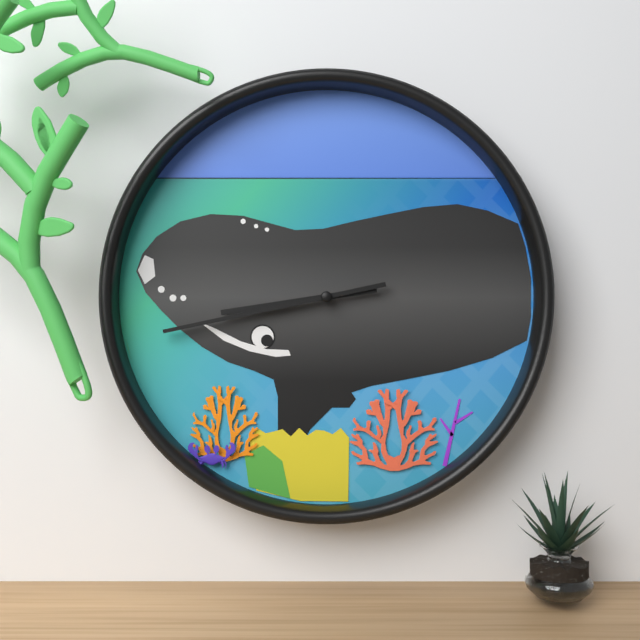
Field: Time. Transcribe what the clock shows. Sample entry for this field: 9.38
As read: 8.43
